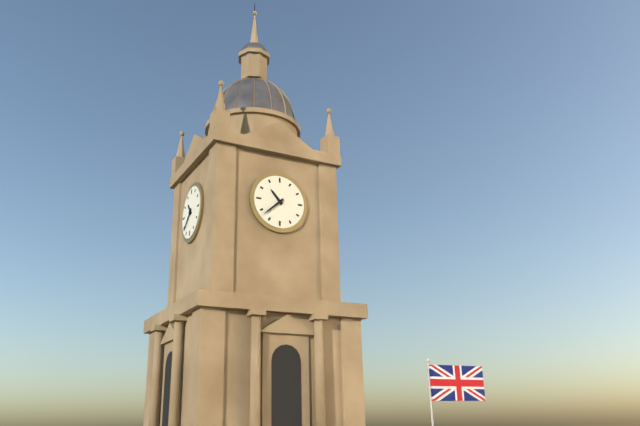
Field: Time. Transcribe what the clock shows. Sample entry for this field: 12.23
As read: 10.38
